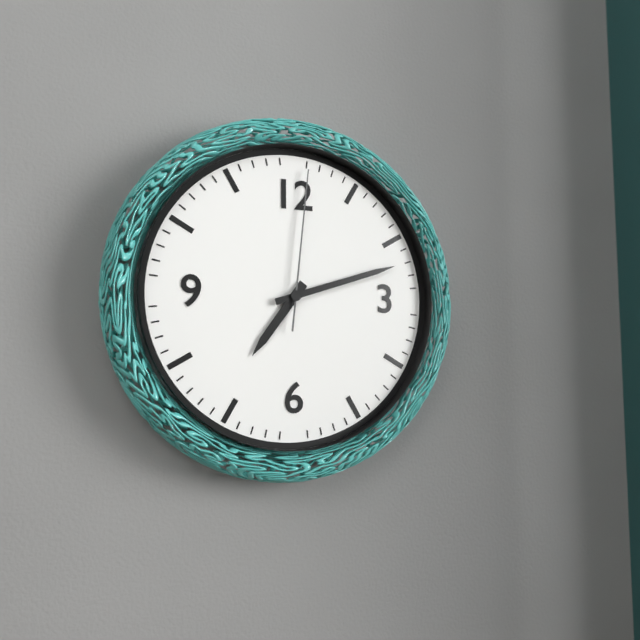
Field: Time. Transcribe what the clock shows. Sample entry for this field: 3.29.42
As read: 7.12.01
